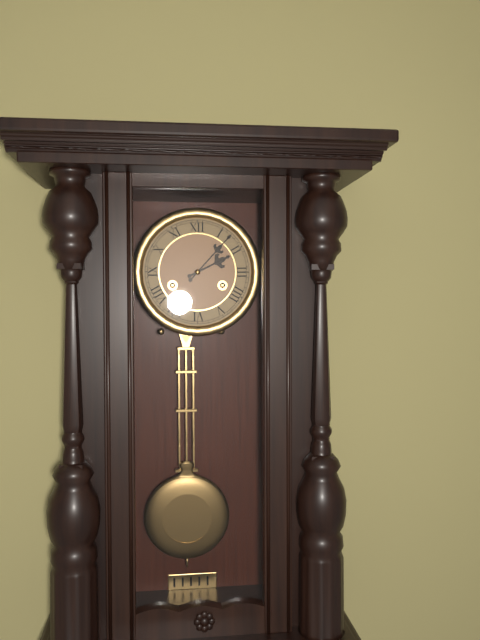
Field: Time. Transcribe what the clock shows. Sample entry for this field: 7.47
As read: 2.07
